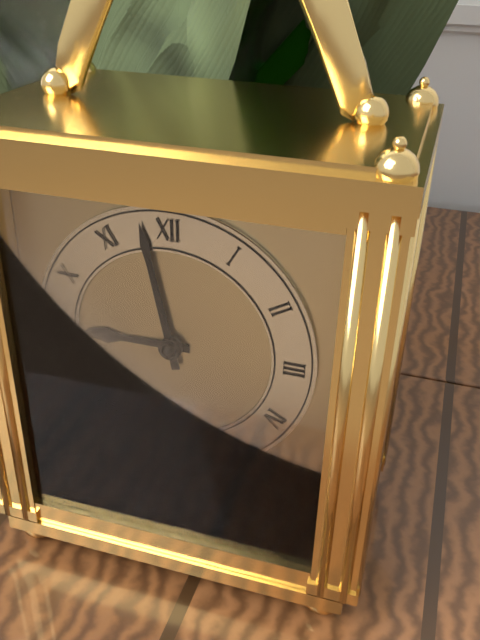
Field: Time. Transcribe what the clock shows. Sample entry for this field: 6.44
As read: 8.58
